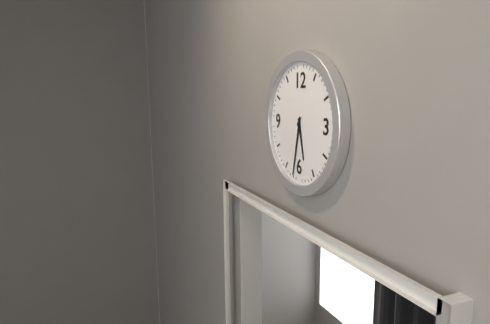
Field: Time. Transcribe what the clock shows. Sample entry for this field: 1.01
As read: 5.32
